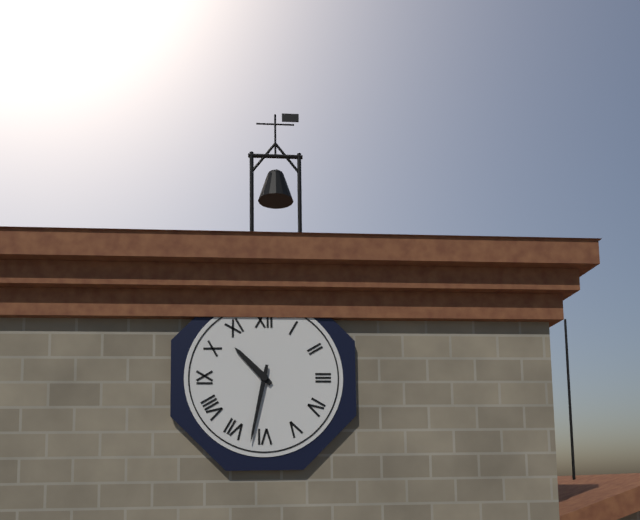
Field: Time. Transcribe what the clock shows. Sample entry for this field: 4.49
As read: 10.32
